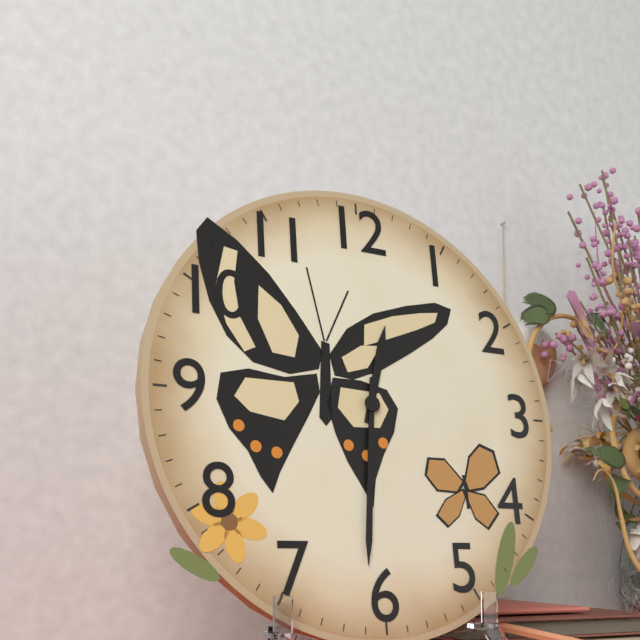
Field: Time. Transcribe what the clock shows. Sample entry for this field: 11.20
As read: 12.31
